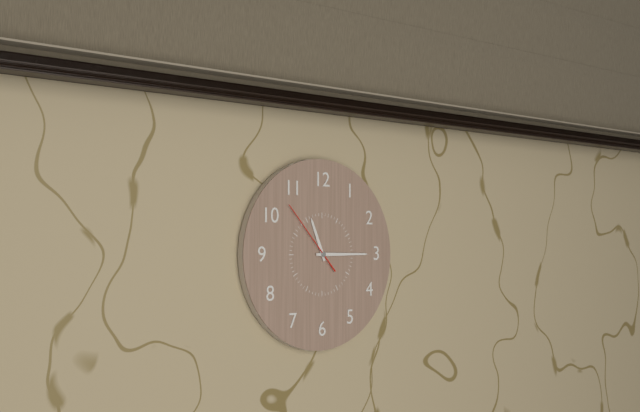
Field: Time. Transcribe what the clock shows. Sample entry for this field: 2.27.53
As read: 11.15.53
